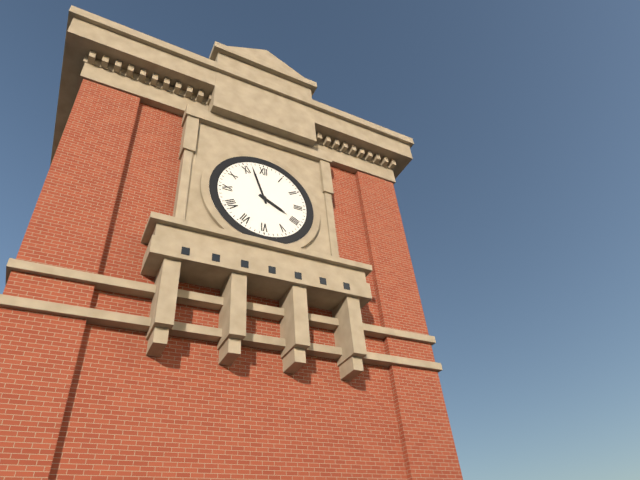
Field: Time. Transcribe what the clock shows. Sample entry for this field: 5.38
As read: 3.57
